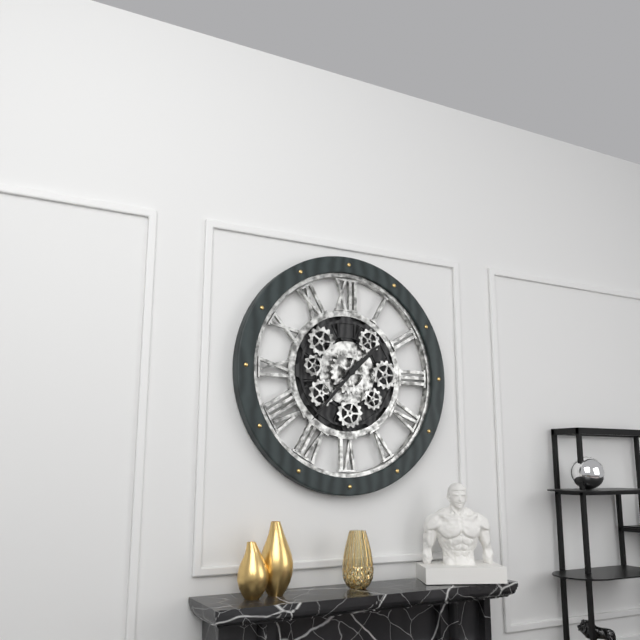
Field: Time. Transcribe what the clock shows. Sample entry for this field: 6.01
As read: 1.37
